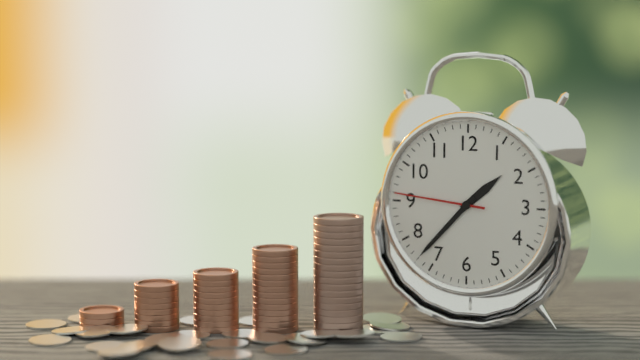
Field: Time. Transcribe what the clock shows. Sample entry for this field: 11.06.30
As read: 1.37.46
